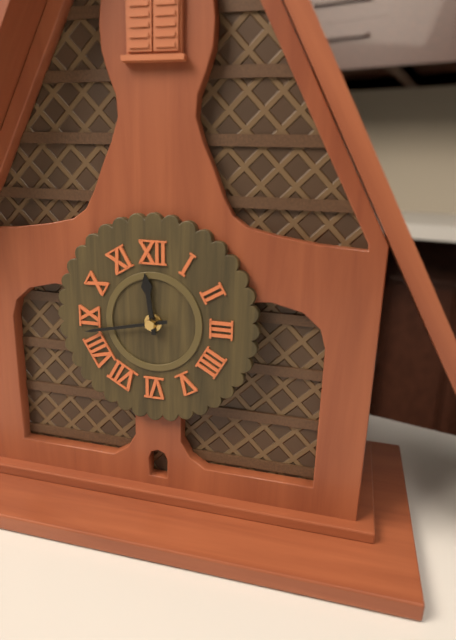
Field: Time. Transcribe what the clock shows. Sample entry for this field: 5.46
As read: 11.43
